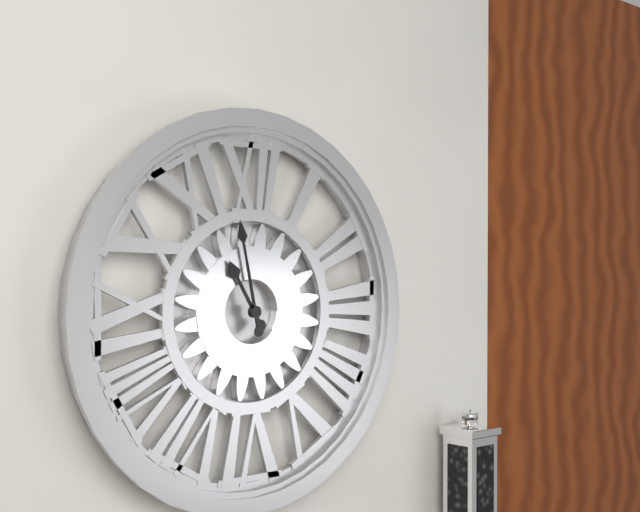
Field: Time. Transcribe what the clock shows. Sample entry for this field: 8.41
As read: 10.58
